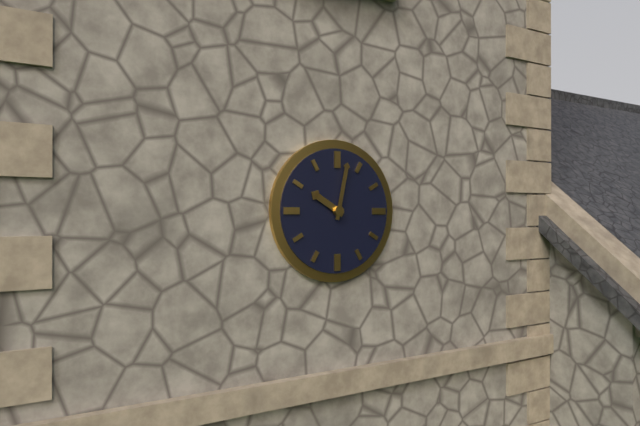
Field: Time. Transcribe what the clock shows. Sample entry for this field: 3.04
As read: 10.02
